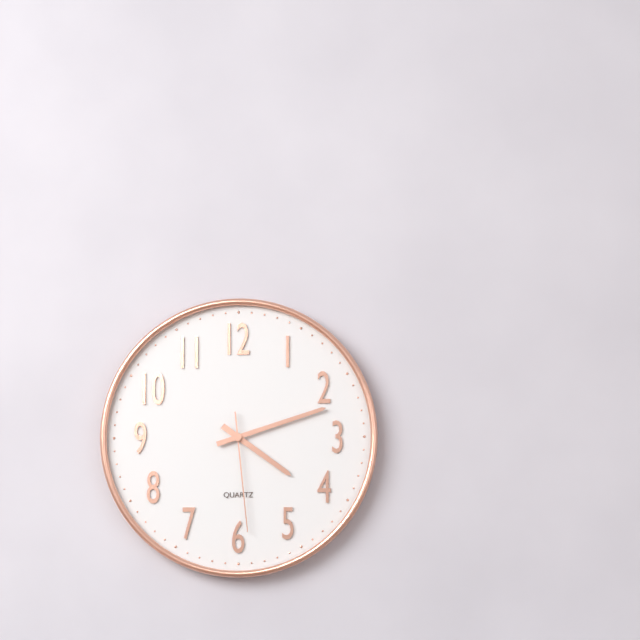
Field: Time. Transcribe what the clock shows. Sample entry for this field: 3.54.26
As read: 4.12.29
